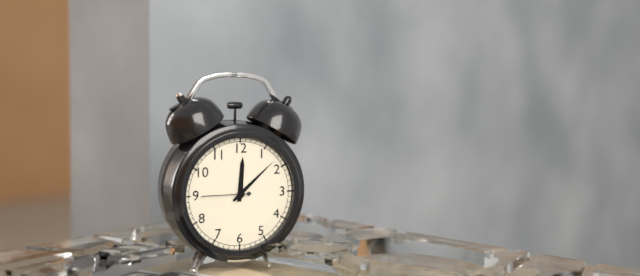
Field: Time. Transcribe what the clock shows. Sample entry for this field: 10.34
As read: 12.08
